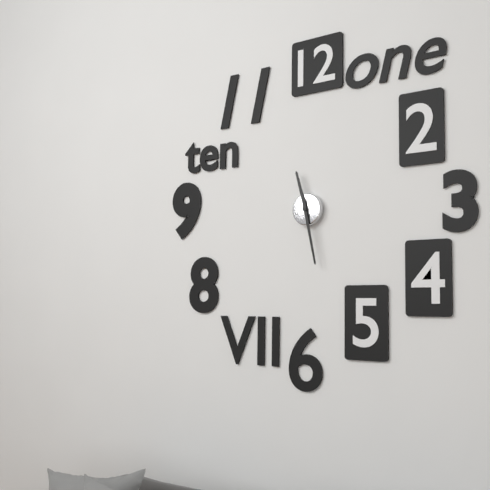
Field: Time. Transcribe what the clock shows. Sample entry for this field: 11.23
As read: 11.28
